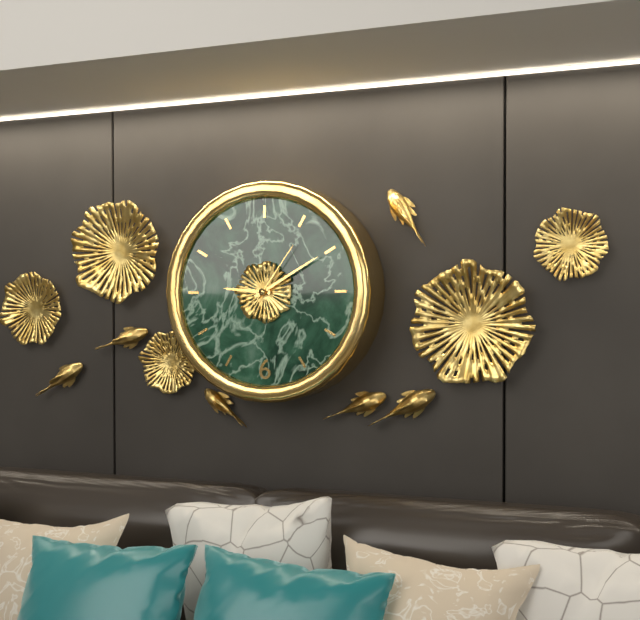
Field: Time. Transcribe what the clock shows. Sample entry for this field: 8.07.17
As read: 9.10.06
